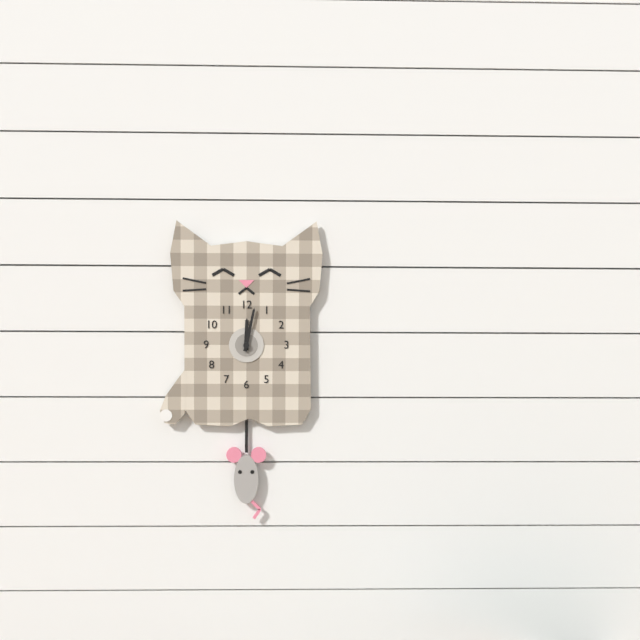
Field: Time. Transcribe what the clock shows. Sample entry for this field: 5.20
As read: 12.02
